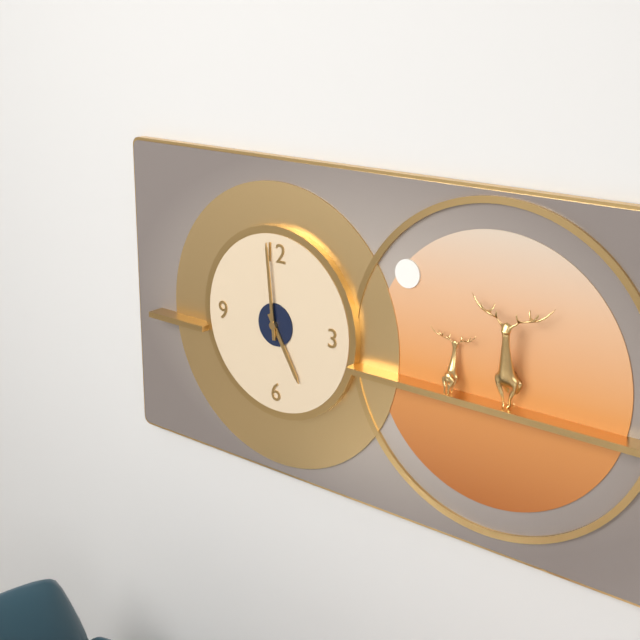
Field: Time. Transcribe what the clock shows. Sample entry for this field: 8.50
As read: 4.59
